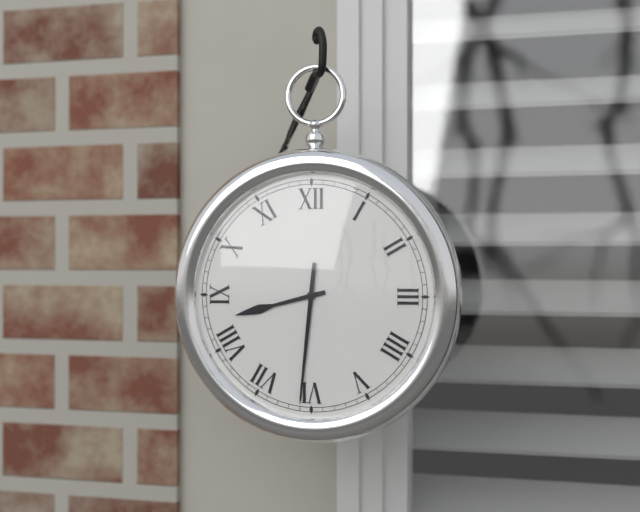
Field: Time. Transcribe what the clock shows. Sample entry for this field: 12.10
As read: 8.31
